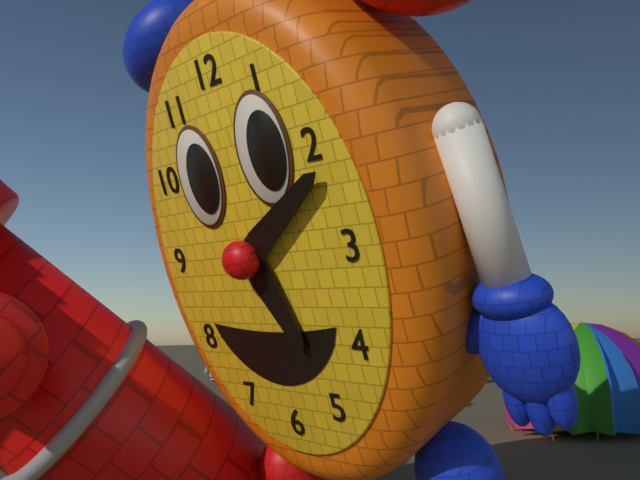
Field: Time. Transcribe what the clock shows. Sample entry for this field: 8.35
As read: 5.10
